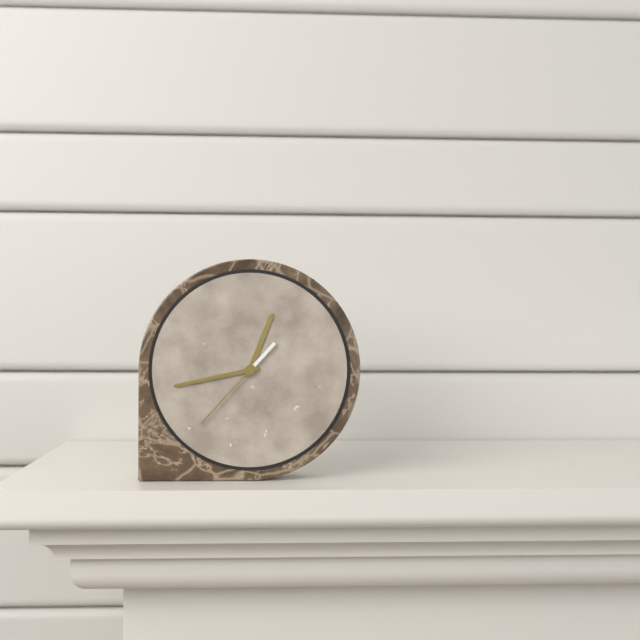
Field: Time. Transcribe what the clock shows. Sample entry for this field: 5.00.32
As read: 12.43.37
